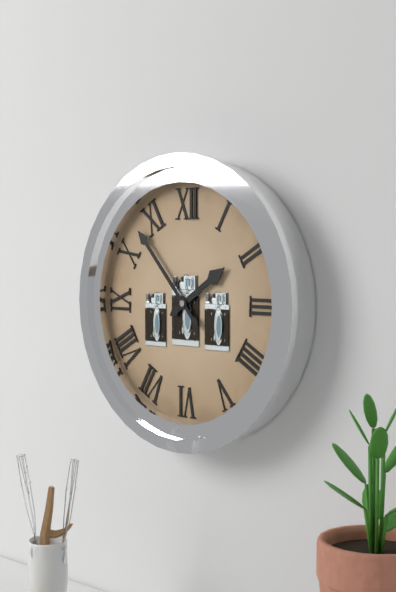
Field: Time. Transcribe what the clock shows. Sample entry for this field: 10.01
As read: 1.53
